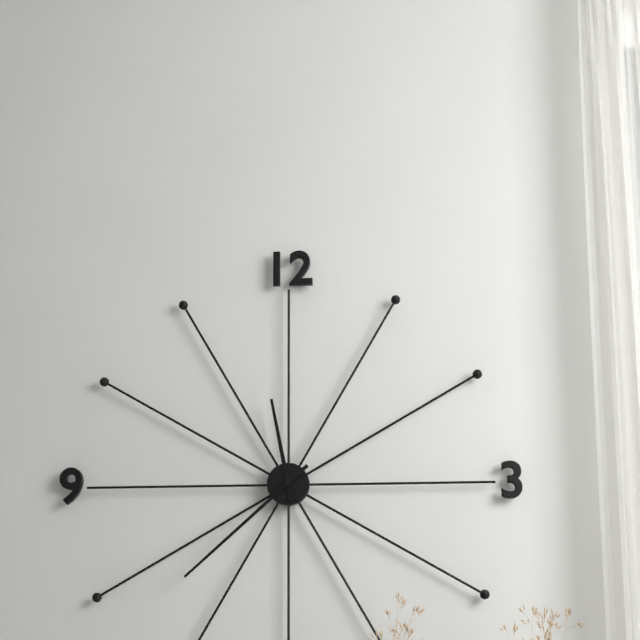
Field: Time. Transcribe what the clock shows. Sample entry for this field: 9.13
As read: 11.38
